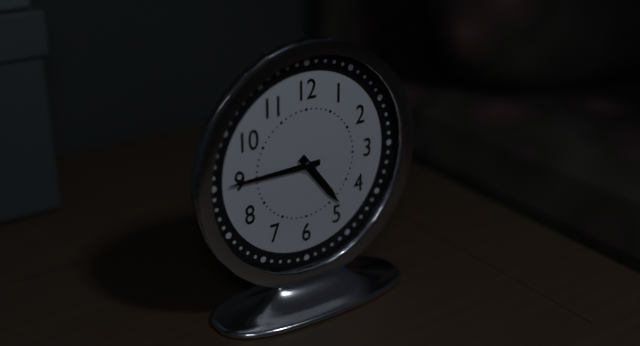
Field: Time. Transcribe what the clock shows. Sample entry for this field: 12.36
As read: 4.45
